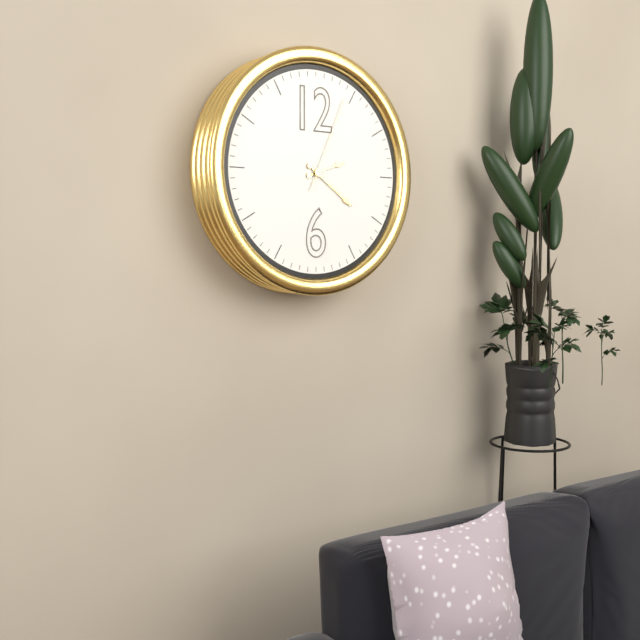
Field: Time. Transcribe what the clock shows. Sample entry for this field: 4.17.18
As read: 2.21.04
